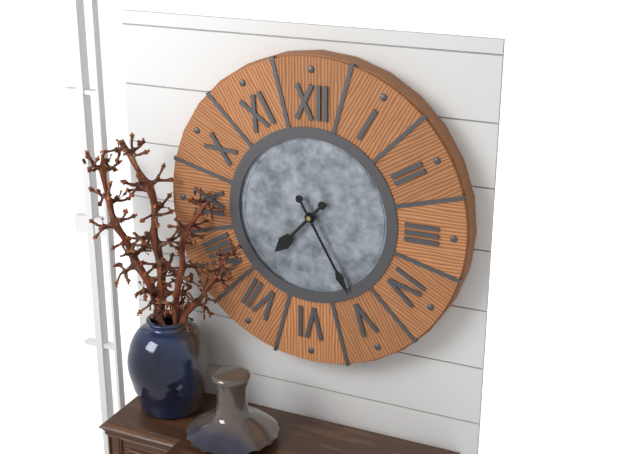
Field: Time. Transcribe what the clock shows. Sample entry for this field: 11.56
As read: 7.25
